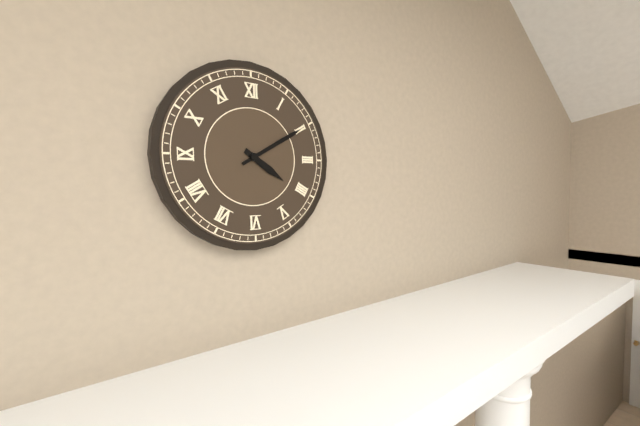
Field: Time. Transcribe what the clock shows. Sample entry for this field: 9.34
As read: 4.10
